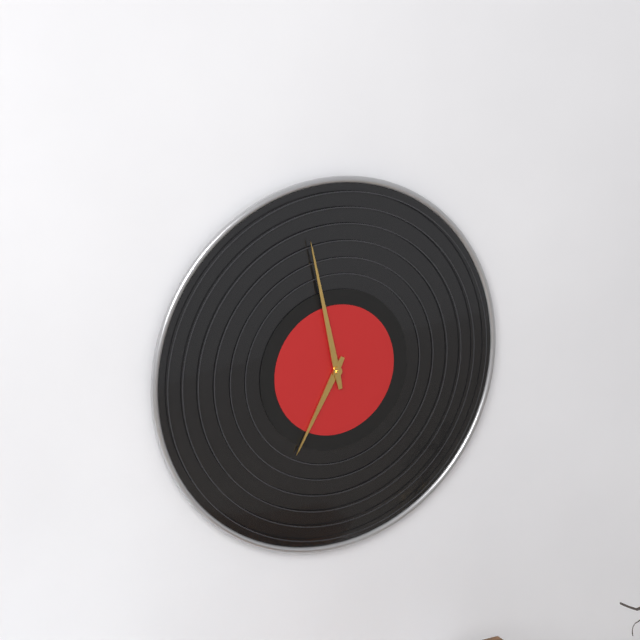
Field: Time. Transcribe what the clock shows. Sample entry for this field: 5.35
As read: 6.58
